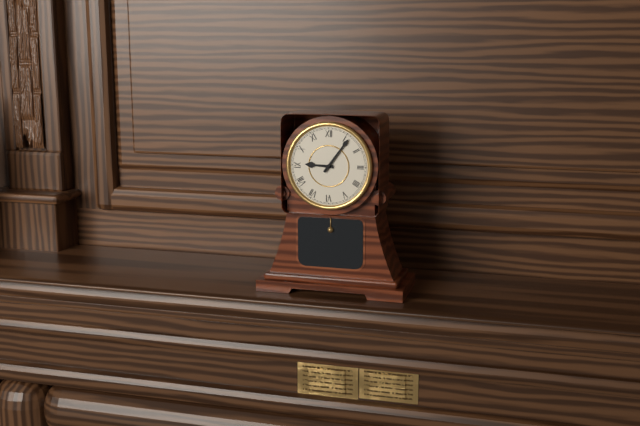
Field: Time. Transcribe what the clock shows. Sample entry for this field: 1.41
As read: 9.06
